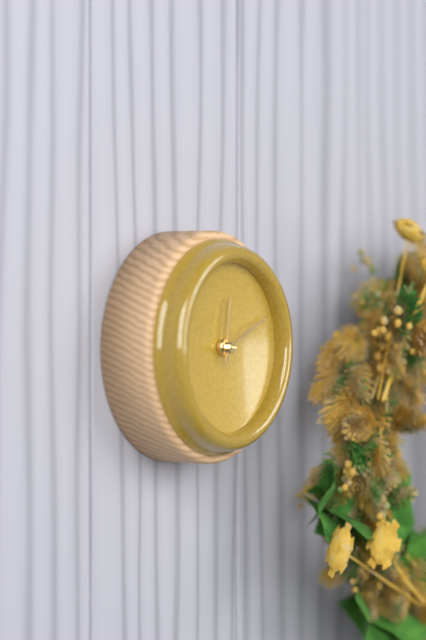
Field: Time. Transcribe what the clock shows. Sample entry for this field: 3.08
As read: 12.11
